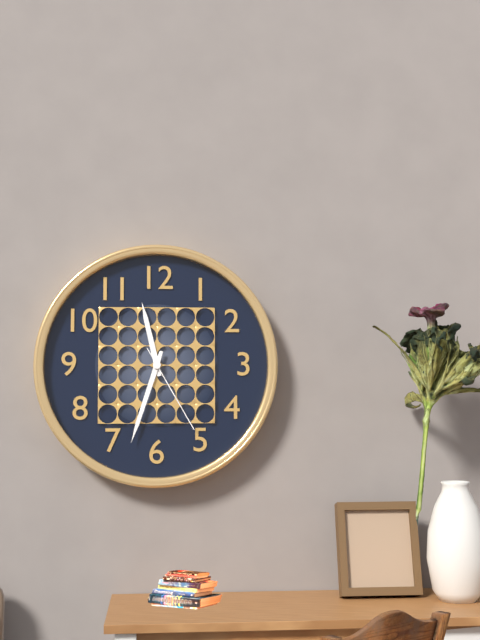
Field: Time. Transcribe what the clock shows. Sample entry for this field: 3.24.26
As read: 11.33.25
